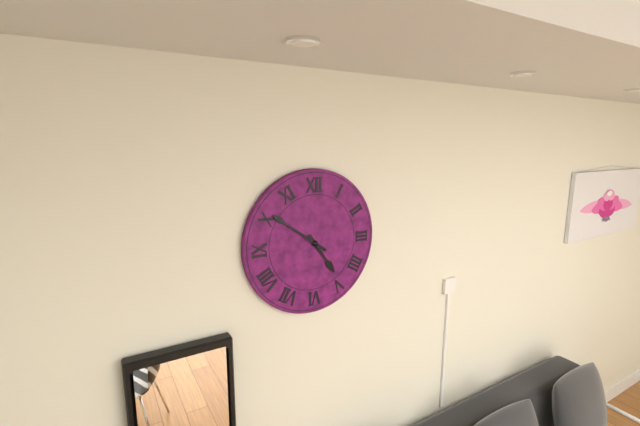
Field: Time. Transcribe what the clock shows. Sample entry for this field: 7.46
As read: 4.51
